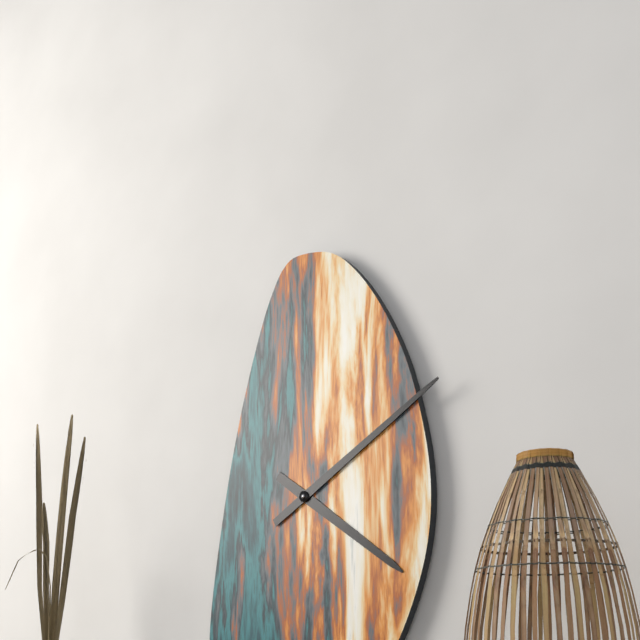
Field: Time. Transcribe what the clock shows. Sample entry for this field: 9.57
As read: 4.10
